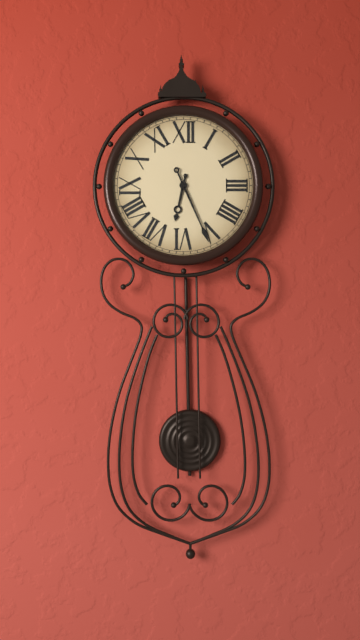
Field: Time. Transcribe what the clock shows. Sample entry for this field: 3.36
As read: 6.26
